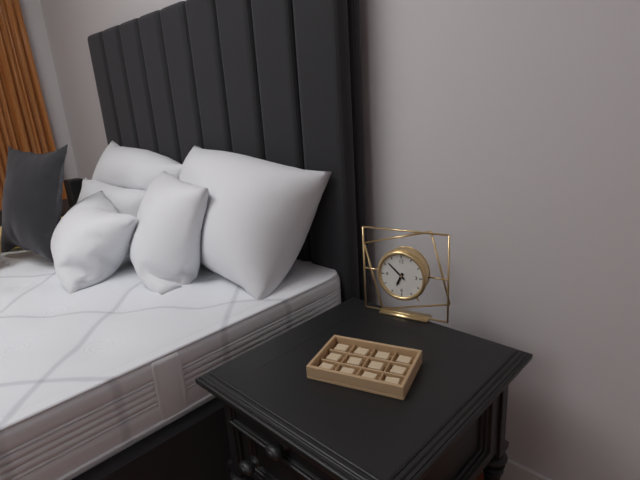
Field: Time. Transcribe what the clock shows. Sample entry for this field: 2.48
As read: 6.52
